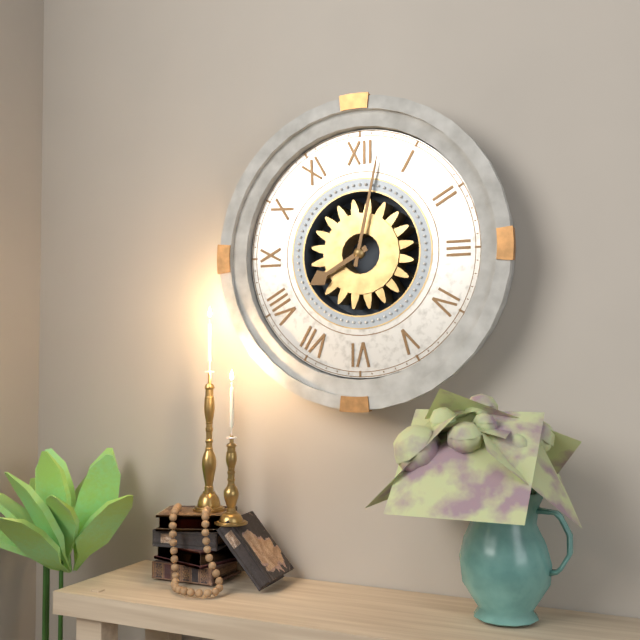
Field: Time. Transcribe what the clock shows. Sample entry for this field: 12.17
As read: 8.02
